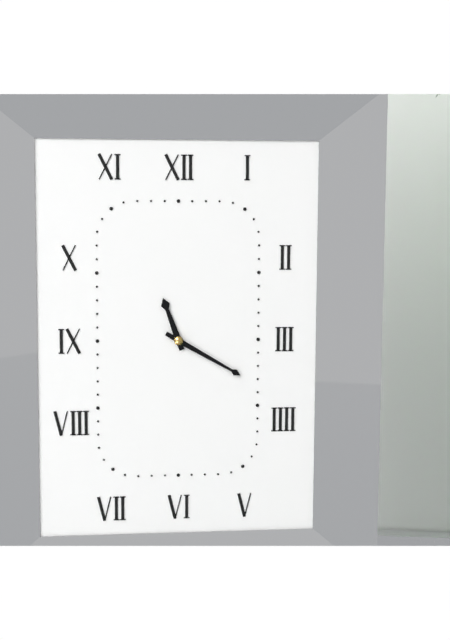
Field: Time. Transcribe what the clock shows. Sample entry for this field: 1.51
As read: 11.20
